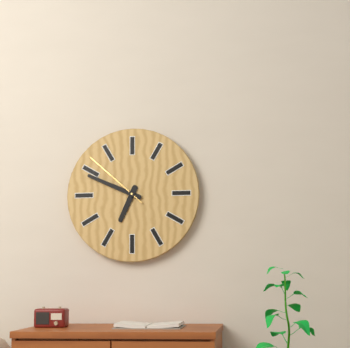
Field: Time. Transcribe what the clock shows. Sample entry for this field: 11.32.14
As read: 6.49.52
